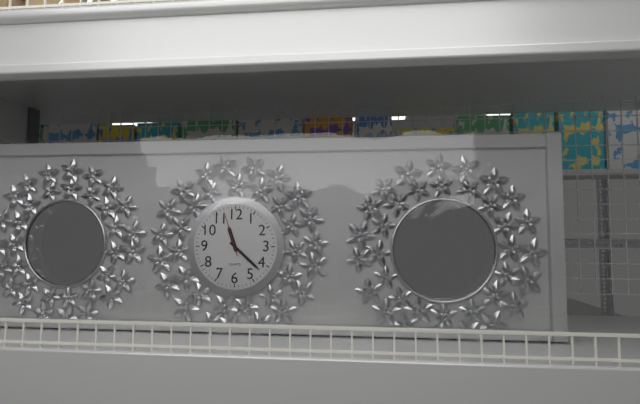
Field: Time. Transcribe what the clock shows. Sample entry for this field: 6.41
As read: 11.22
